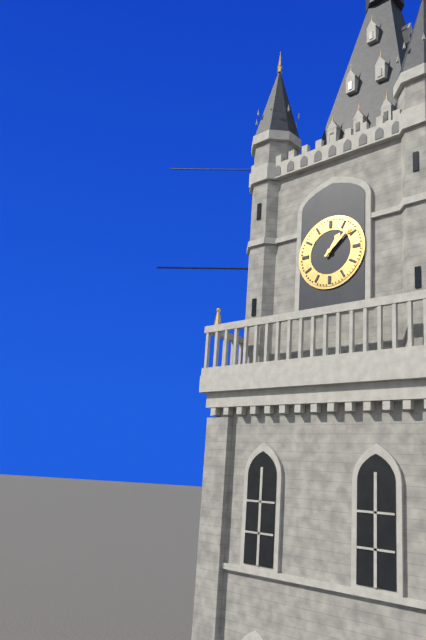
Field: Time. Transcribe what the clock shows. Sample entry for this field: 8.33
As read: 1.08
